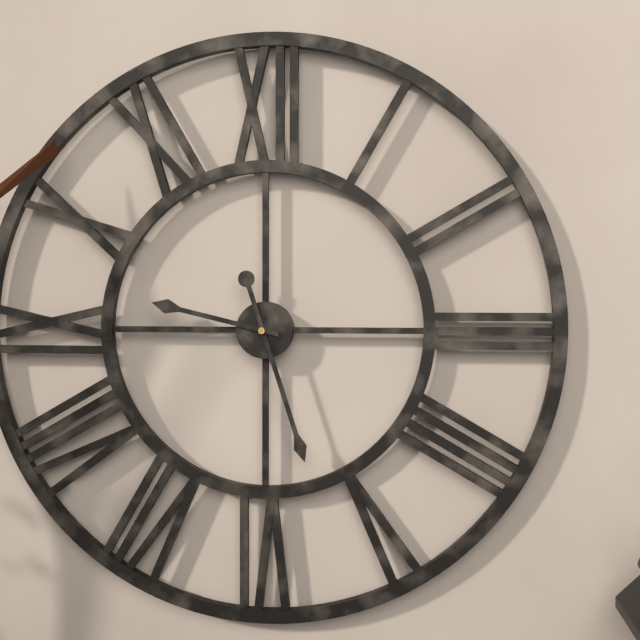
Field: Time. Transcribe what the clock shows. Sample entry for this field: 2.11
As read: 9.27
